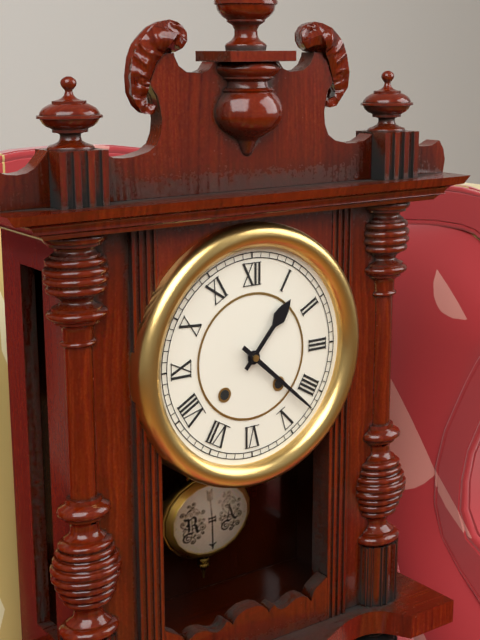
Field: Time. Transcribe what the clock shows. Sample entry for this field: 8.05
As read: 1.22
